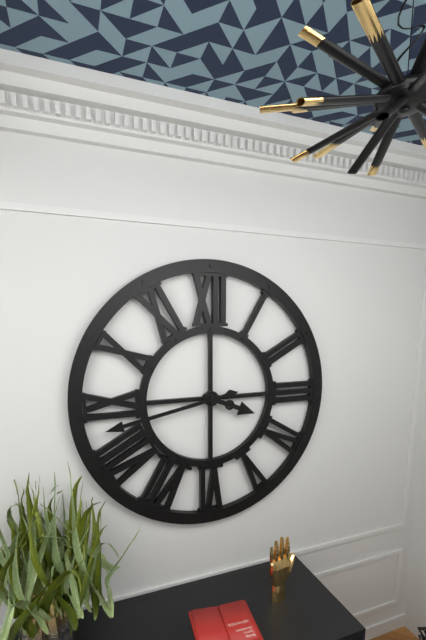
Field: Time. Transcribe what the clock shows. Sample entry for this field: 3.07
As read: 3.43
